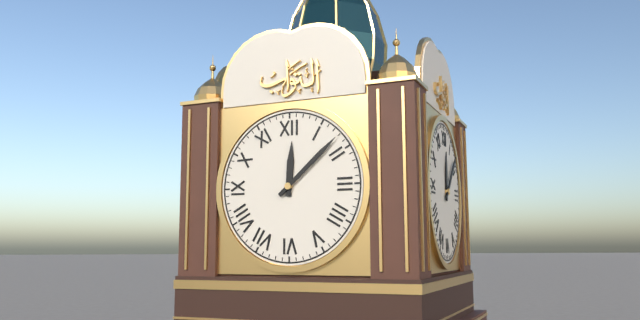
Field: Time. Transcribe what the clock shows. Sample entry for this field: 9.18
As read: 12.08
